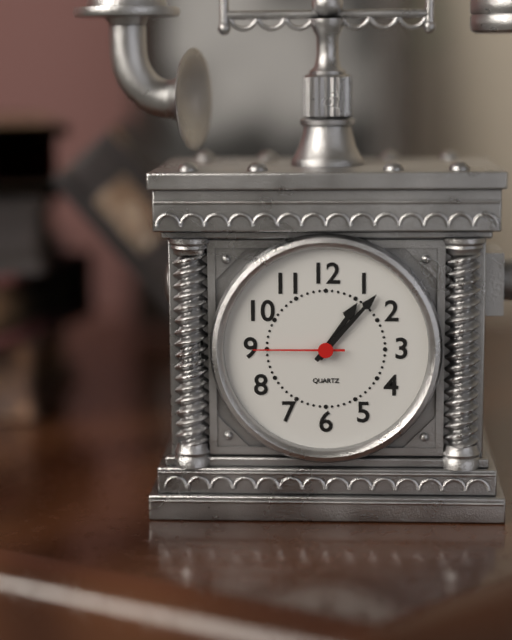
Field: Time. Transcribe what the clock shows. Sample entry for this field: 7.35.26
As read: 1.07.45
